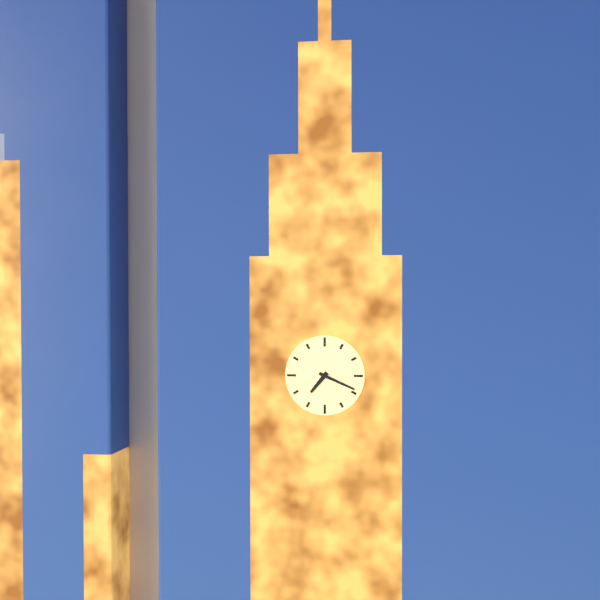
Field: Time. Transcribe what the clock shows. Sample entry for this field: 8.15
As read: 7.19
